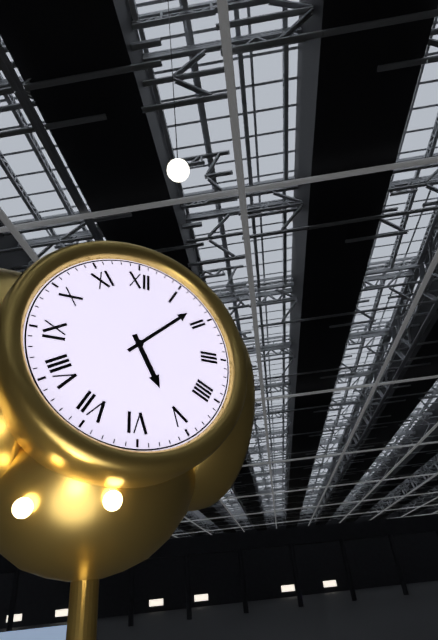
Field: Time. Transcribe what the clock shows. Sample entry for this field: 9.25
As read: 5.08
